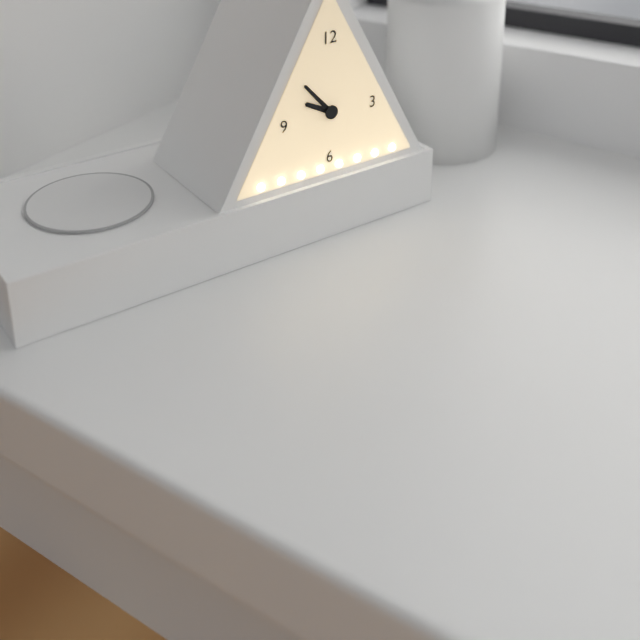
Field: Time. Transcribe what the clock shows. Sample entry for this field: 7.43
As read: 9.53
